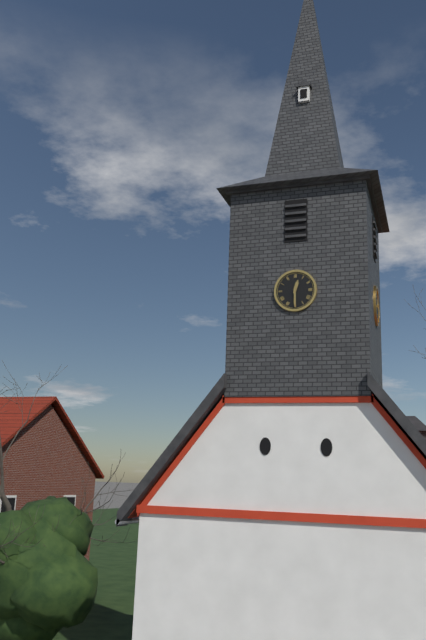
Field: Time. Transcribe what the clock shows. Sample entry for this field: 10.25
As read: 12.30
